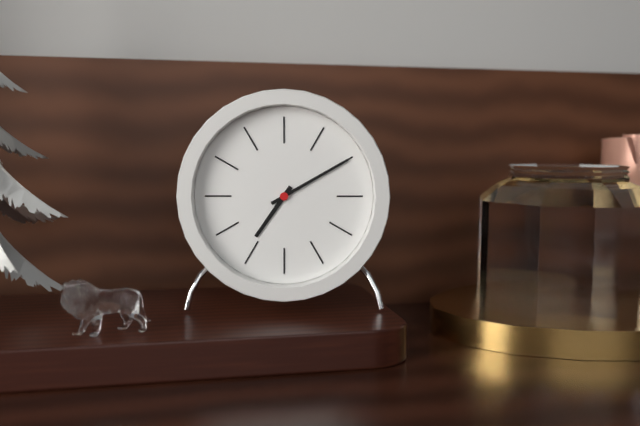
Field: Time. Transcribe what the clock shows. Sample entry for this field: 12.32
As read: 7.10
